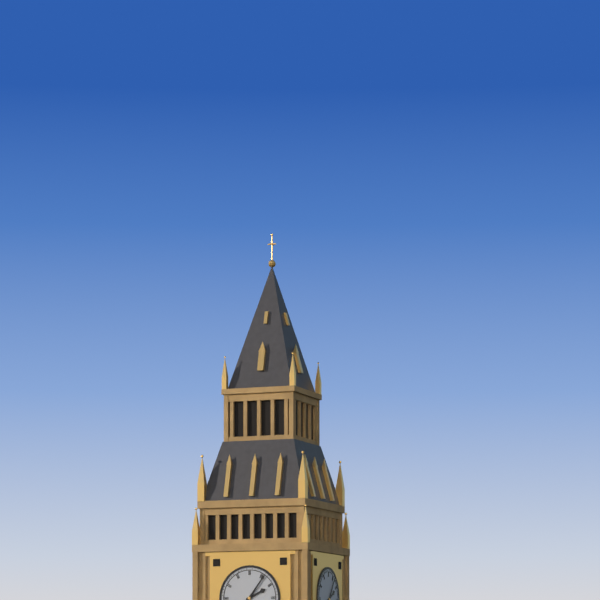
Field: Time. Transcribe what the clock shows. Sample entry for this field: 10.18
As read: 2.06
